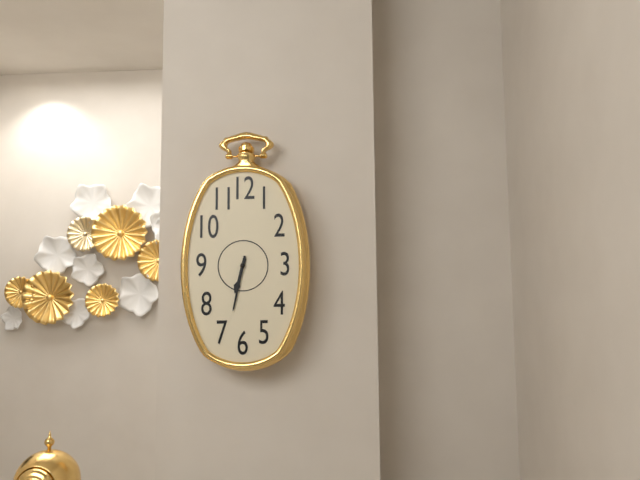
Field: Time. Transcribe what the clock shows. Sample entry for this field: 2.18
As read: 6.32
